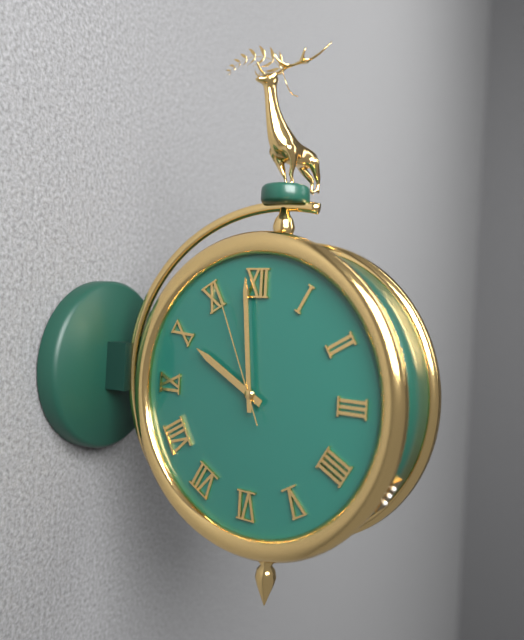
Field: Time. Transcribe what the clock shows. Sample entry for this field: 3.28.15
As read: 9.59.56
